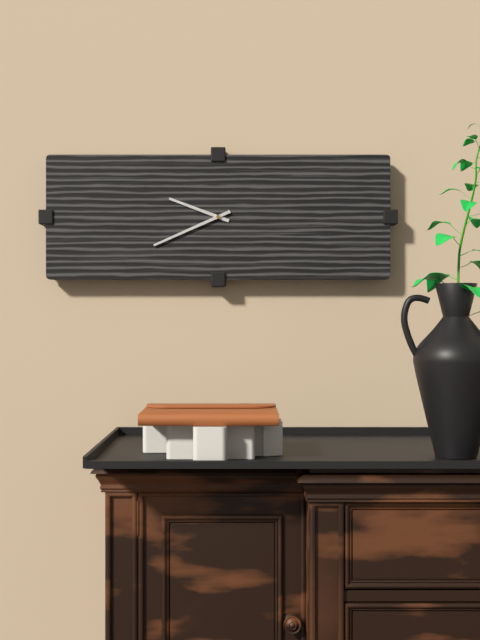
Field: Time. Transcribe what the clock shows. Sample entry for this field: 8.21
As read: 9.41
